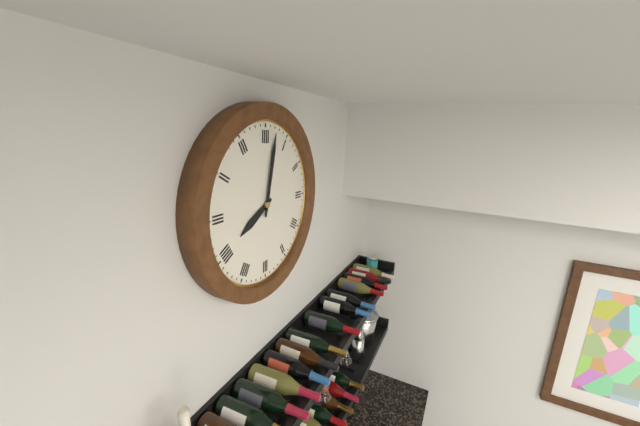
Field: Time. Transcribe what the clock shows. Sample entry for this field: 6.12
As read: 8.02
